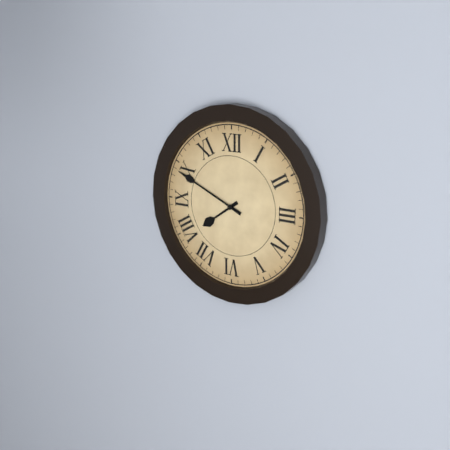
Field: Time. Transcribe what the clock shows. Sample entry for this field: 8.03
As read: 7.49
